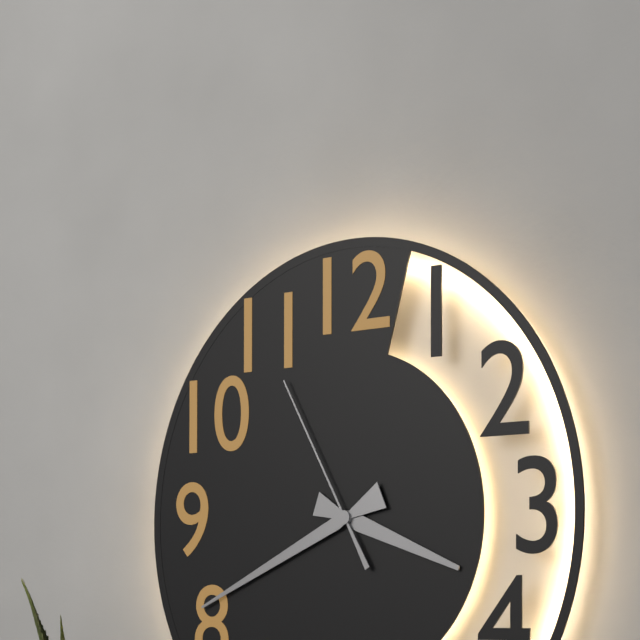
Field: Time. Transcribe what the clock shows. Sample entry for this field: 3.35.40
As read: 3.41.55
